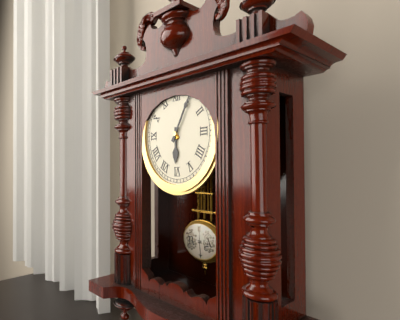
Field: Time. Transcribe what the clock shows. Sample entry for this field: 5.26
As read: 6.05
